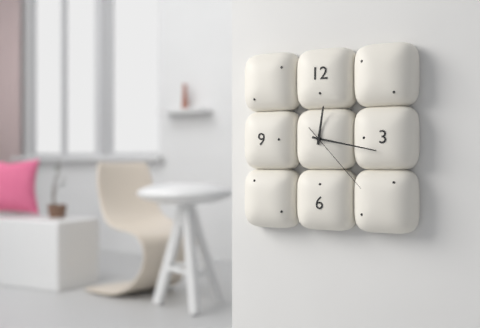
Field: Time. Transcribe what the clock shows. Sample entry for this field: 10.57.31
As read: 12.17.23
